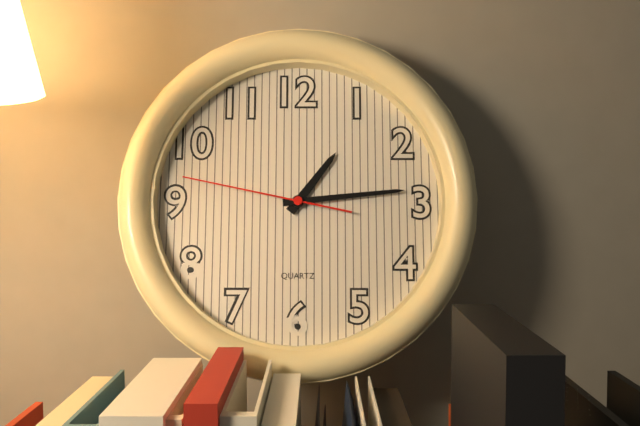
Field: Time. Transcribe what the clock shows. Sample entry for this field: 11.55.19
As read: 1.14.47
